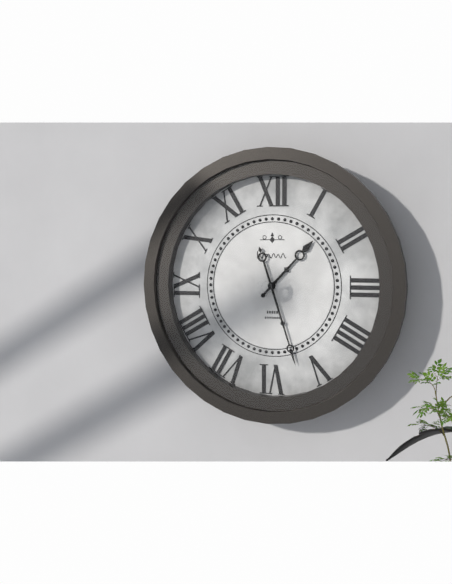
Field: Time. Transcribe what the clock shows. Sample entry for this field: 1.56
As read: 1.27
